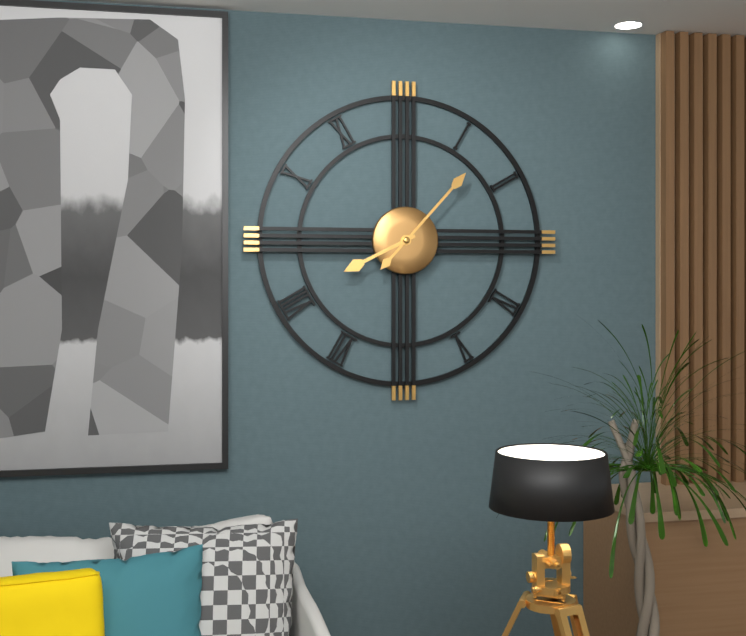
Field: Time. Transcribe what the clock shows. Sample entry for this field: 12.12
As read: 8.07
